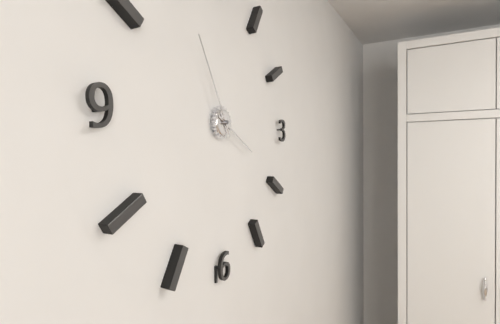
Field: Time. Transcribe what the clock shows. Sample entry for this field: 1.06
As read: 3.55
